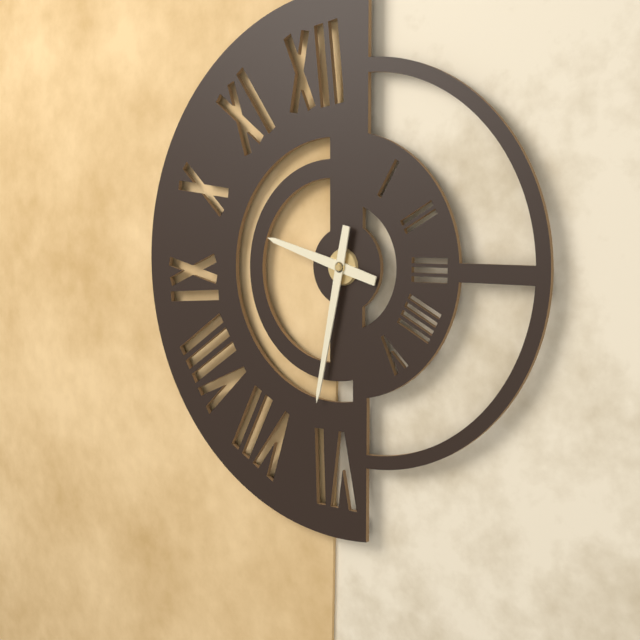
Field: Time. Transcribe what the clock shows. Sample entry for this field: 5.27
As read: 9.32
